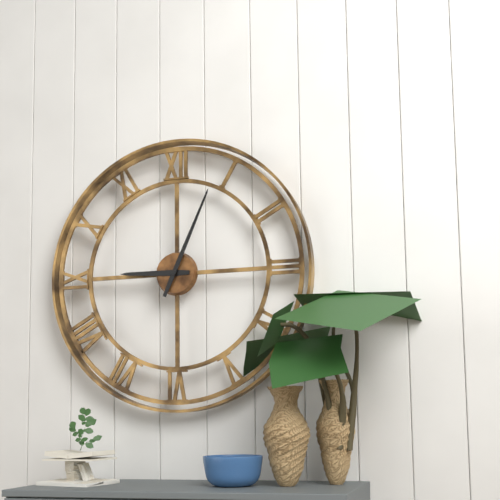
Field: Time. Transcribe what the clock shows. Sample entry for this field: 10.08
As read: 9.04
